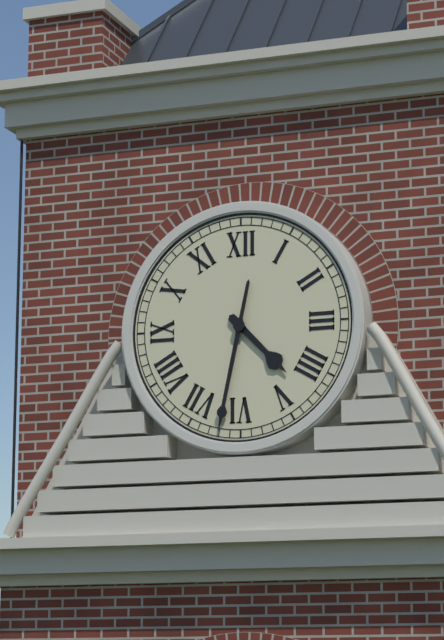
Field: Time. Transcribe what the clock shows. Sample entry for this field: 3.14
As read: 4.32
